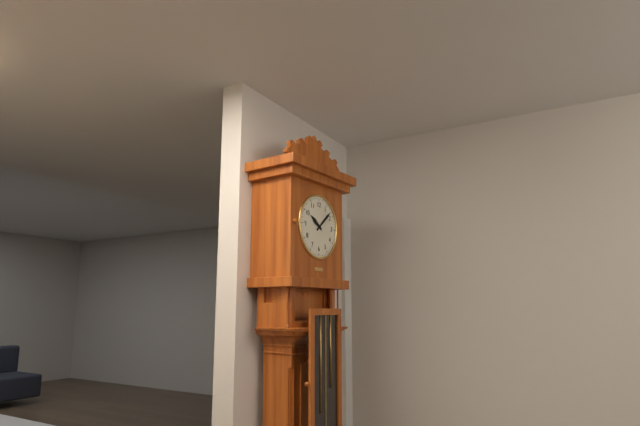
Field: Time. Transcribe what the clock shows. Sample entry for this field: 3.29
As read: 10.08
